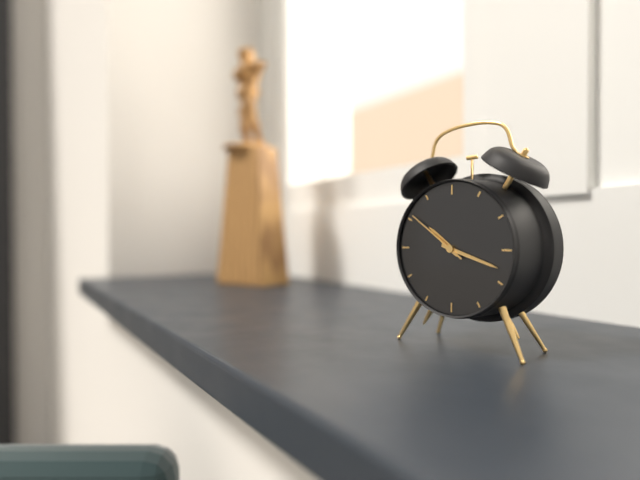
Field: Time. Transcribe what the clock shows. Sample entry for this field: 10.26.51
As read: 10.18.51
